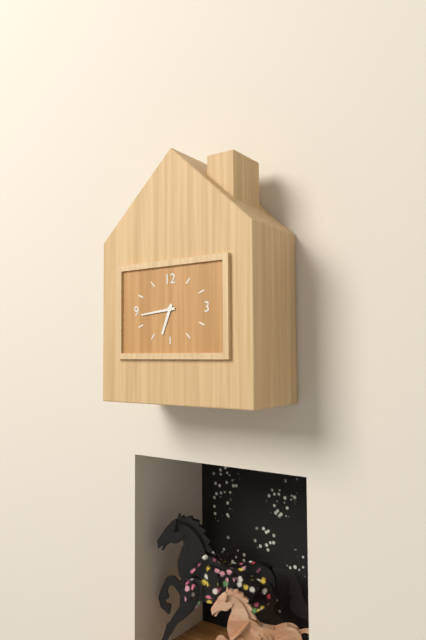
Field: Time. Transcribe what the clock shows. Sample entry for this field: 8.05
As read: 6.44
